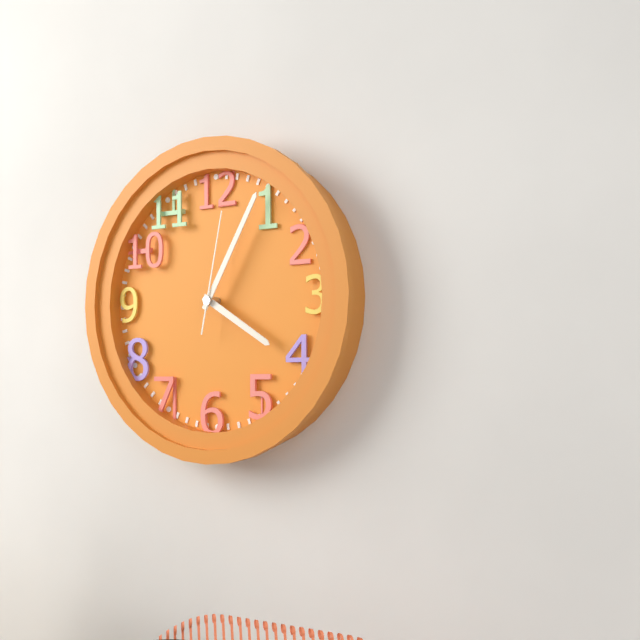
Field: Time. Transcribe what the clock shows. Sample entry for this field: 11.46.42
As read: 4.05.02
